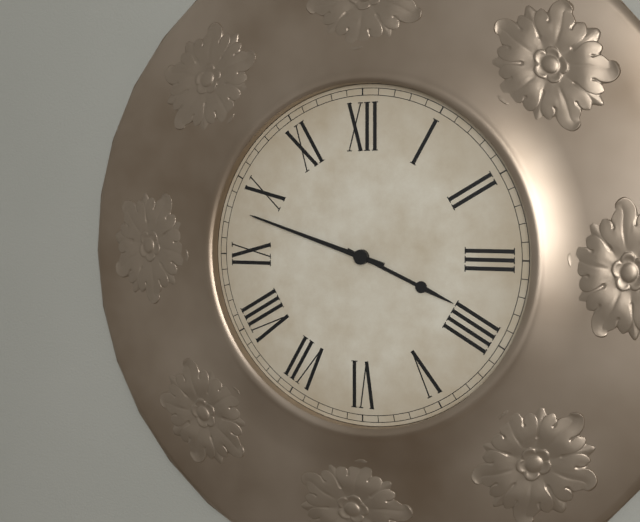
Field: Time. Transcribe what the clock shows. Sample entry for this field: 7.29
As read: 3.48
